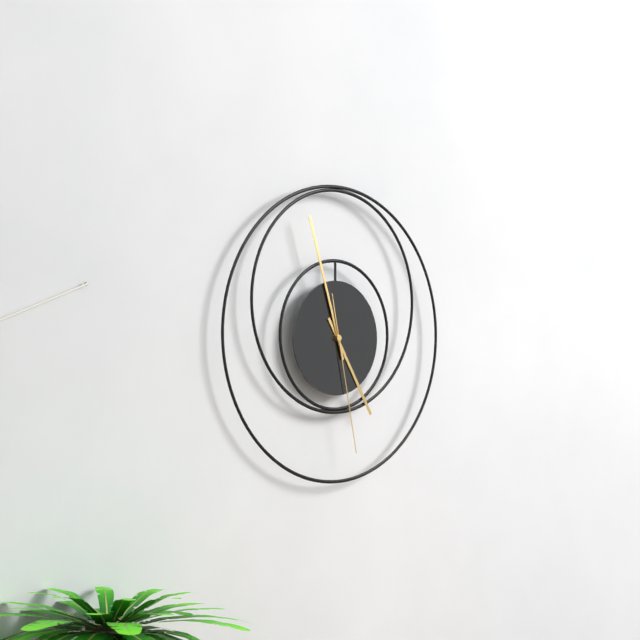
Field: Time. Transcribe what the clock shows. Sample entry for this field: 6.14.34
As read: 4.57.28
